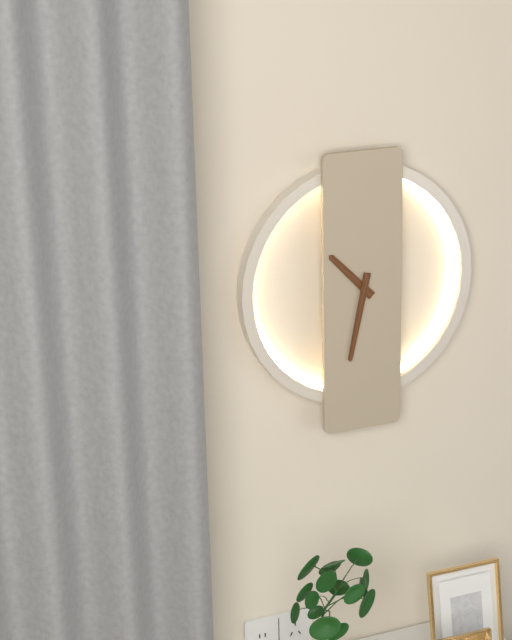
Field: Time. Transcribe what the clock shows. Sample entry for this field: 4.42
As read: 10.32
